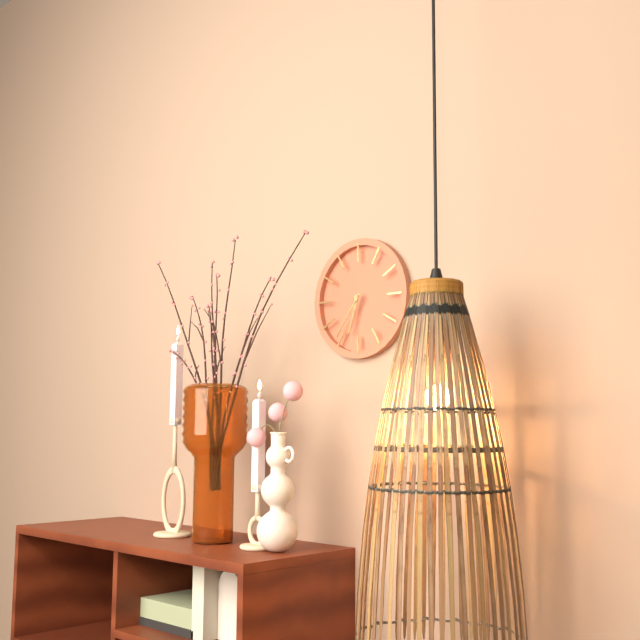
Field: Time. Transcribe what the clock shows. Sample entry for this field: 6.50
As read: 6.36
